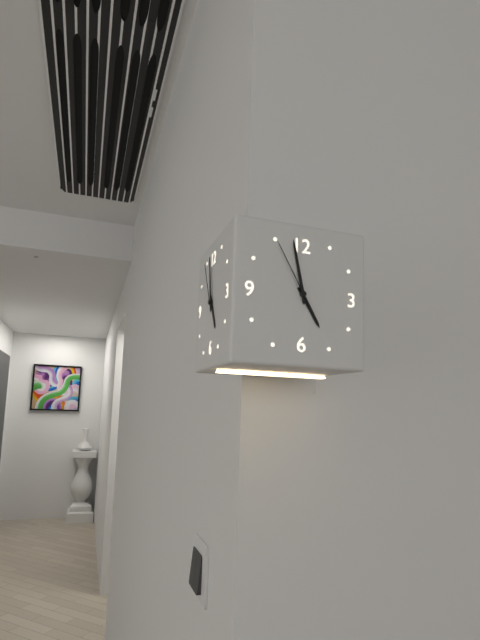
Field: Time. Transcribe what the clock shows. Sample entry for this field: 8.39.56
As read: 4.58.55
